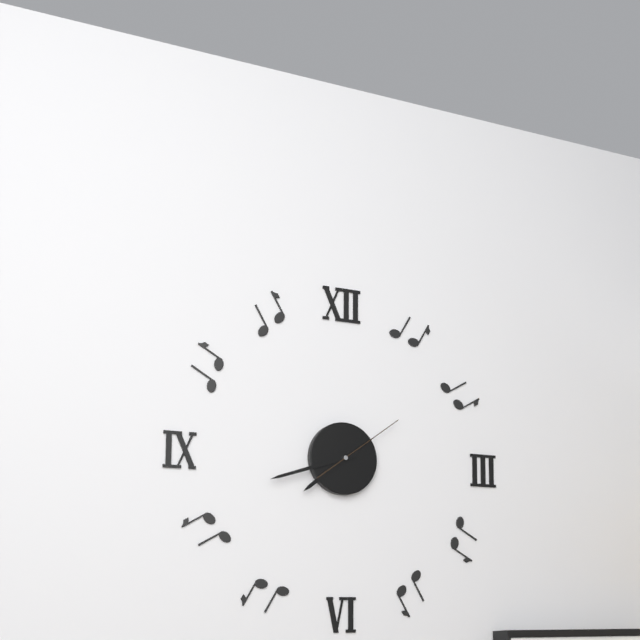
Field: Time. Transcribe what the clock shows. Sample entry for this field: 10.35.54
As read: 7.42.09
